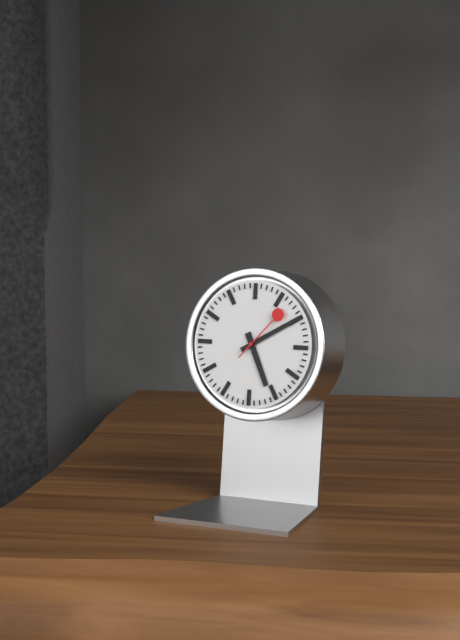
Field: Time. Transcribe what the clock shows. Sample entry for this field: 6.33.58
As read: 5.10.07
